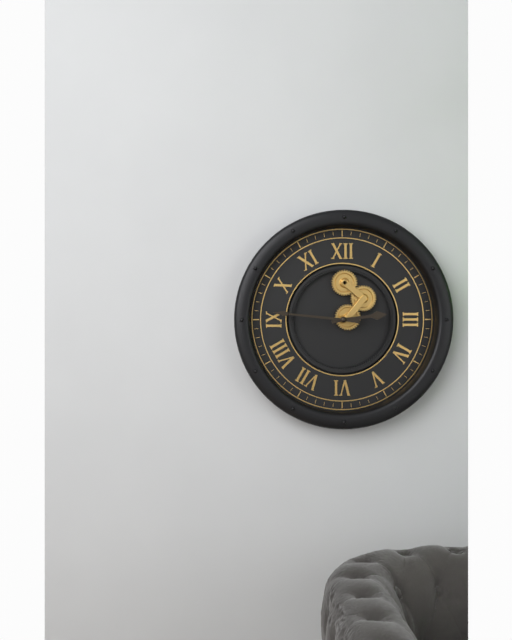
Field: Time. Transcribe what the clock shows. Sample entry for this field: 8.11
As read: 2.46
